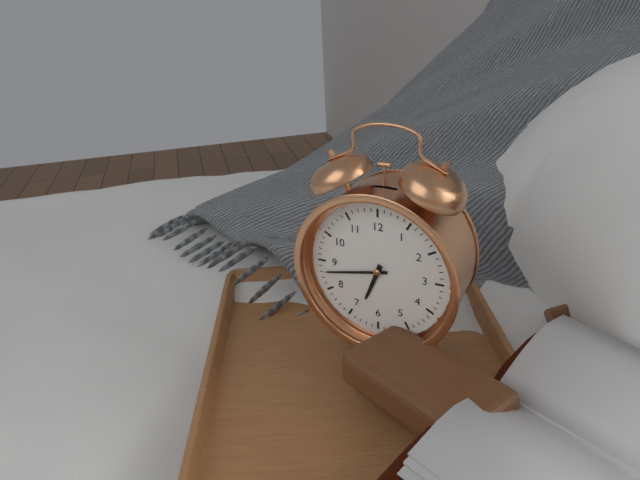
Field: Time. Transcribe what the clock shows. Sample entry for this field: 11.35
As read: 6.43
